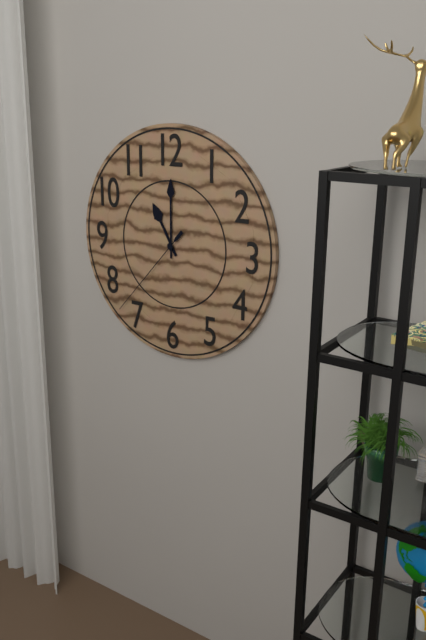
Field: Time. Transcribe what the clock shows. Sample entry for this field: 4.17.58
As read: 11.00.37
